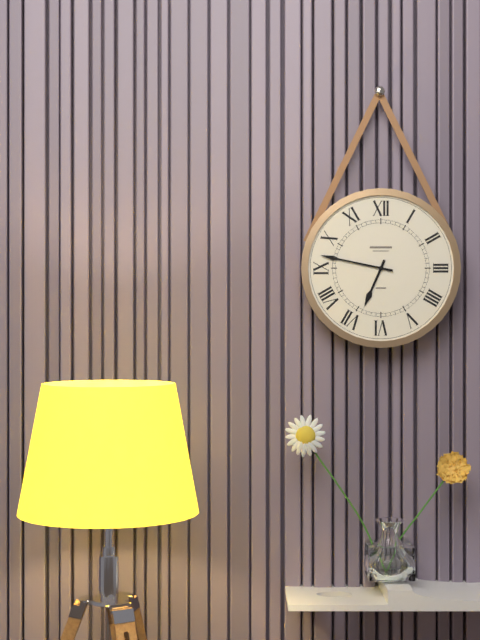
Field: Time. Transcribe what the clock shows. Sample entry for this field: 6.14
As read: 6.47
